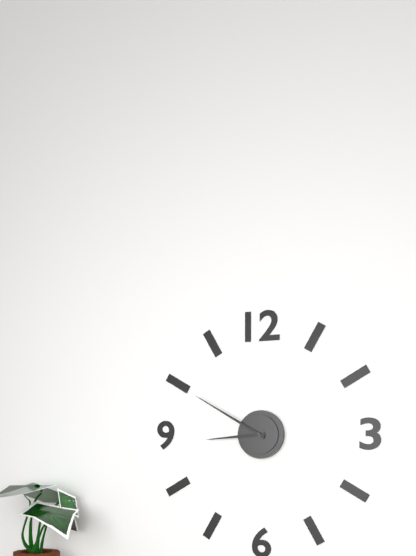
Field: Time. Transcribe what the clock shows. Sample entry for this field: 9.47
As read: 8.50
